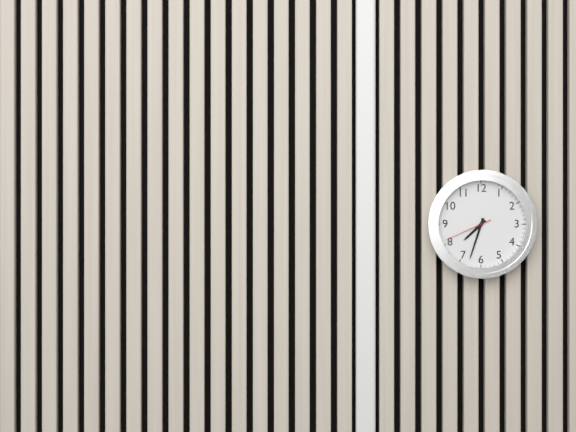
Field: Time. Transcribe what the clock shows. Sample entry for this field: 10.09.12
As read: 7.33.41
